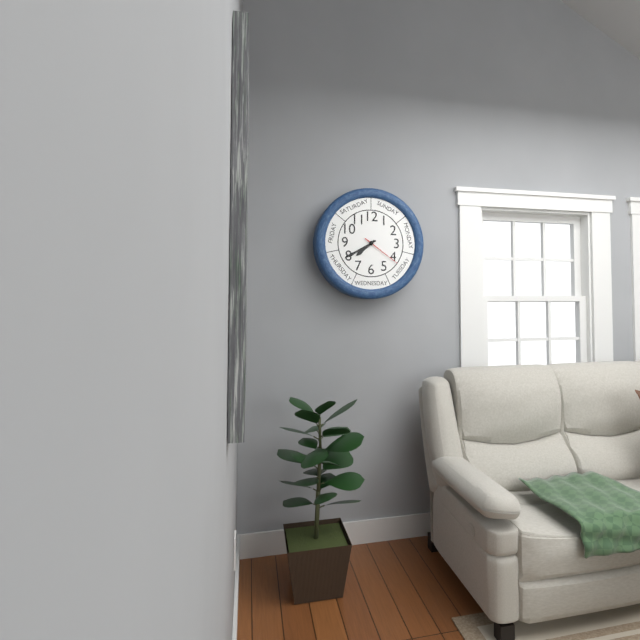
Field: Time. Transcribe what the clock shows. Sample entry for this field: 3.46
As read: 7.40
